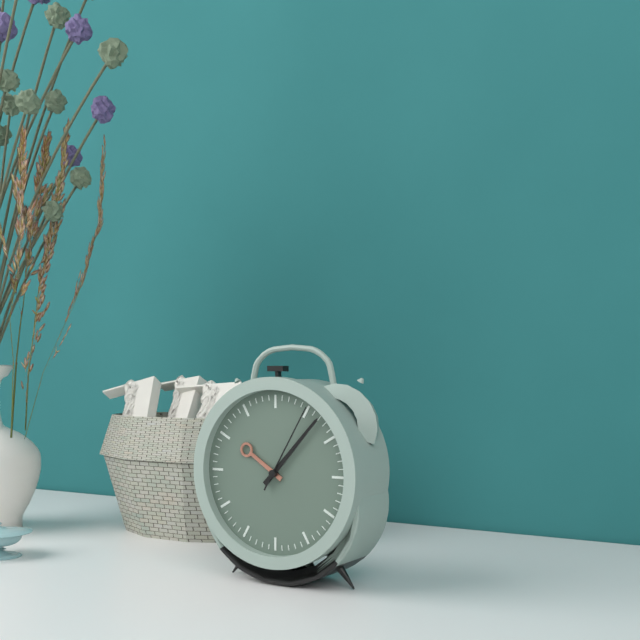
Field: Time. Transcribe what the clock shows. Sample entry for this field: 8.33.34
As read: 10.07.05
